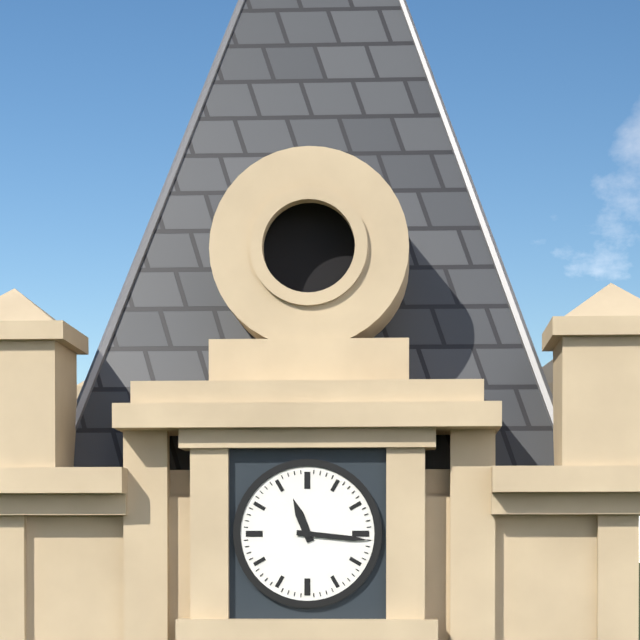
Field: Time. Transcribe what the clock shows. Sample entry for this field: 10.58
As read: 11.16
